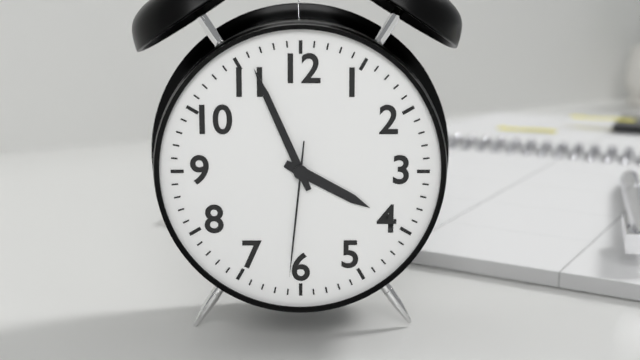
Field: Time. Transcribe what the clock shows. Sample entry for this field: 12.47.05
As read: 3.56.31
